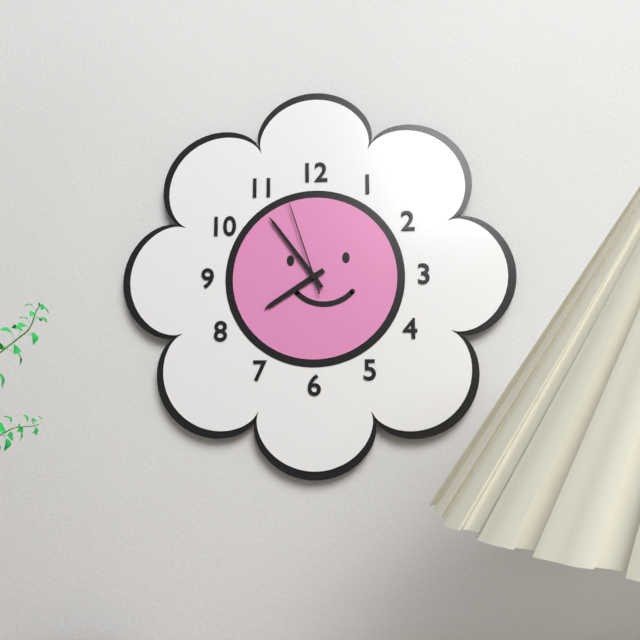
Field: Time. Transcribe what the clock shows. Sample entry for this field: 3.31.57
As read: 7.54.57
